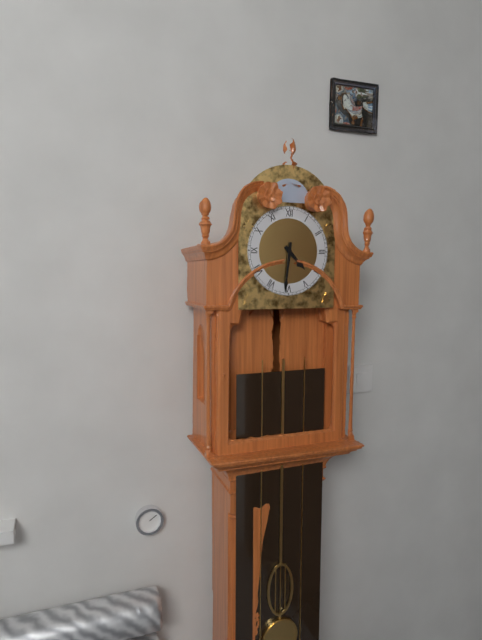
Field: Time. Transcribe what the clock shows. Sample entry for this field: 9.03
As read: 4.31
